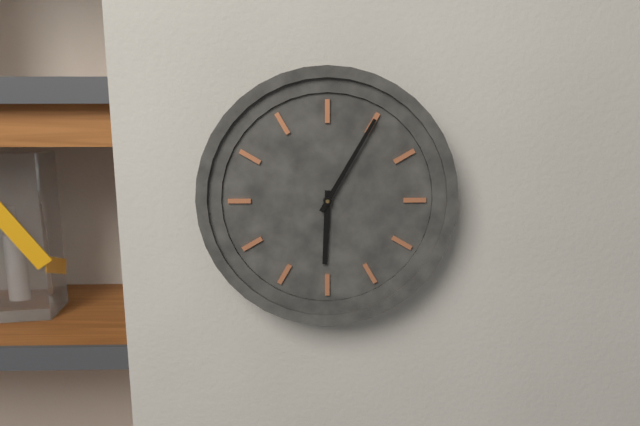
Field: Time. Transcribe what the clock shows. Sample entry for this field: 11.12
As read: 6.05
